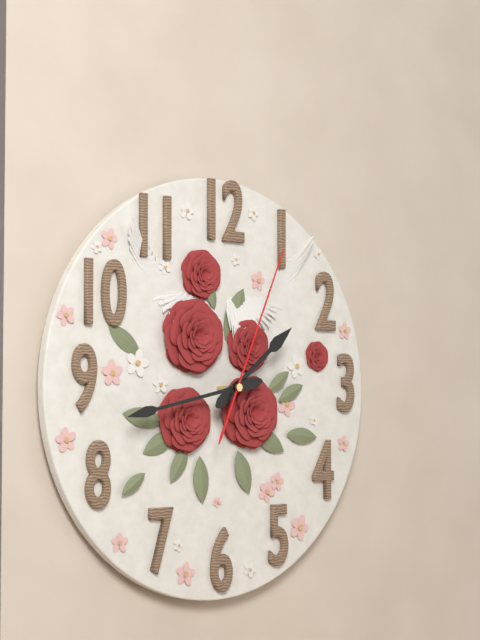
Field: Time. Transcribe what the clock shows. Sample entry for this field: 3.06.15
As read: 1.43.04
